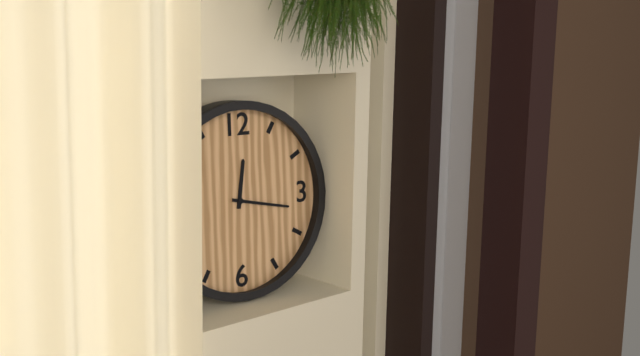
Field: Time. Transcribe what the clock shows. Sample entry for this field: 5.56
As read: 12.17
